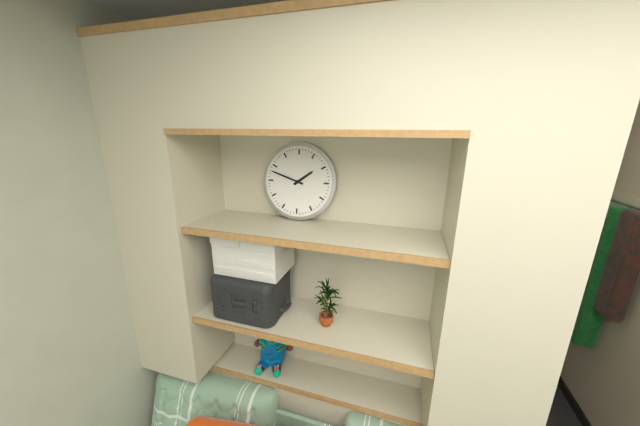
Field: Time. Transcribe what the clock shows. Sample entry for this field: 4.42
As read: 1.48
